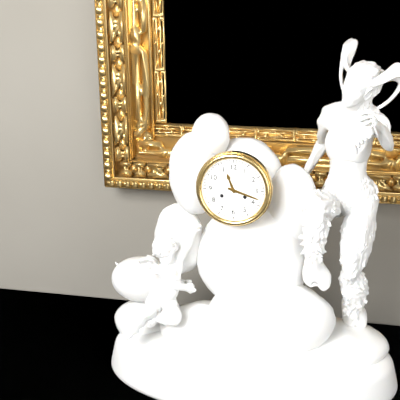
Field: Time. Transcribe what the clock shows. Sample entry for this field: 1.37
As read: 11.18
